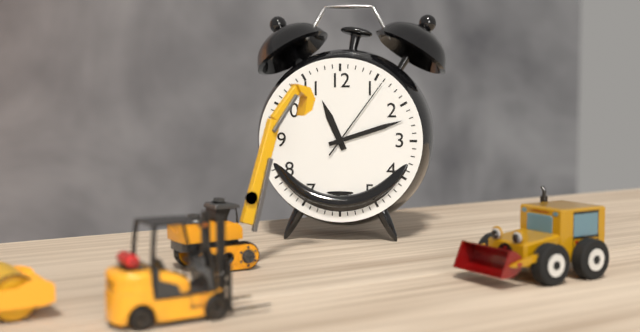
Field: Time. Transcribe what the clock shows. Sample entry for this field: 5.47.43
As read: 11.12.06
